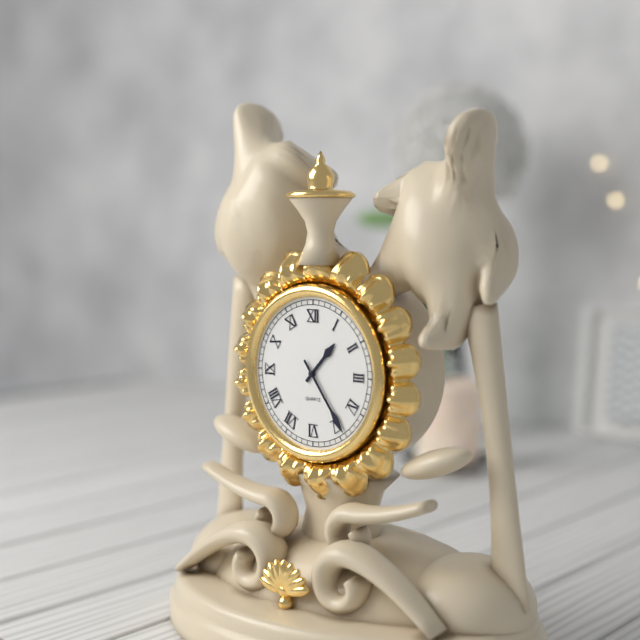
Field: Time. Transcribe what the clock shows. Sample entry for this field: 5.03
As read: 1.24
